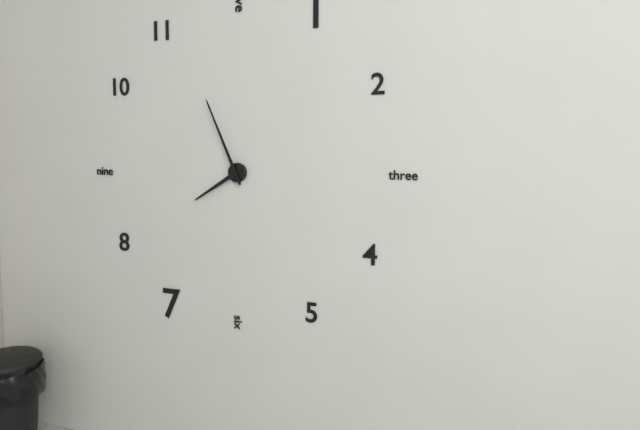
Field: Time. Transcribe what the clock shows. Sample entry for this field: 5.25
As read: 7.56
